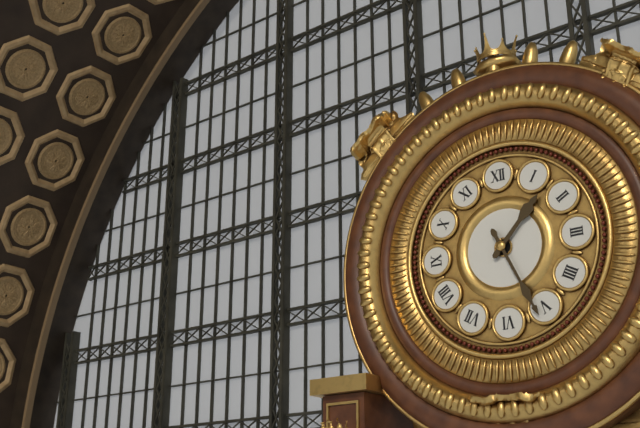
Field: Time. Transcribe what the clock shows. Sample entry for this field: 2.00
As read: 1.26
